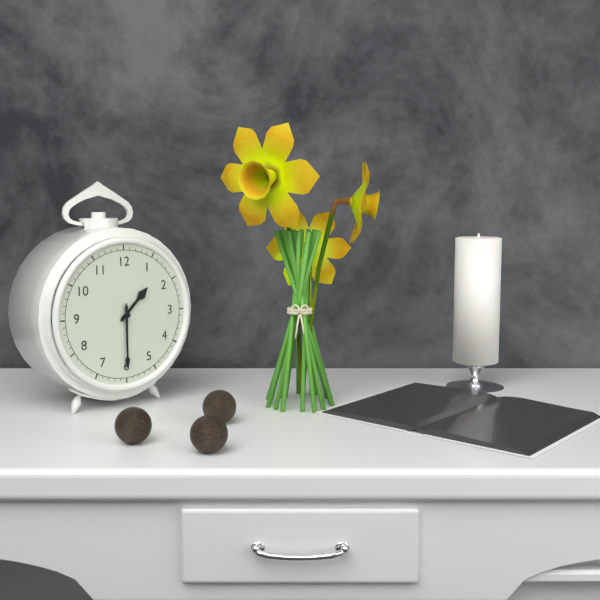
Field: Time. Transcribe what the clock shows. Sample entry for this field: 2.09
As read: 1.30
